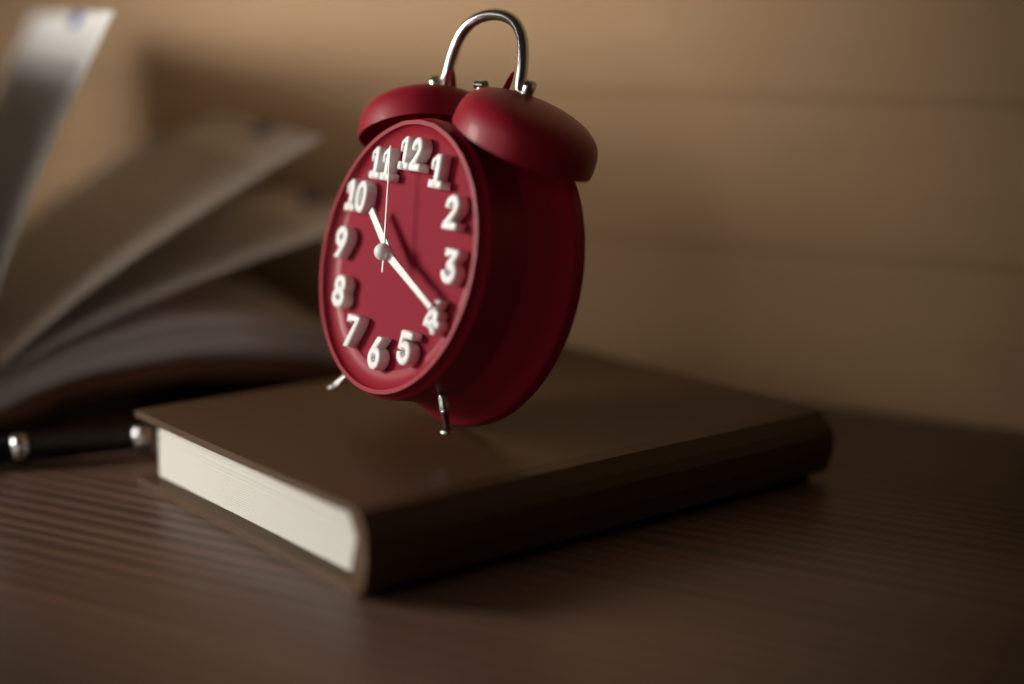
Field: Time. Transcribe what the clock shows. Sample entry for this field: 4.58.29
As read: 10.19.58
